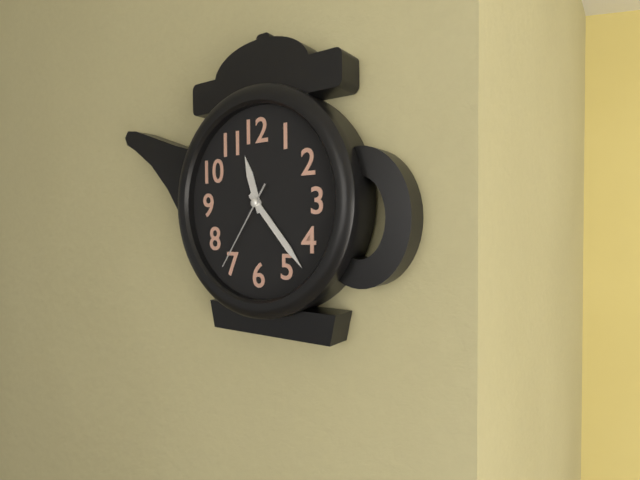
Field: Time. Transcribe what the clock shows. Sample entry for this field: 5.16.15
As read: 11.23.36
